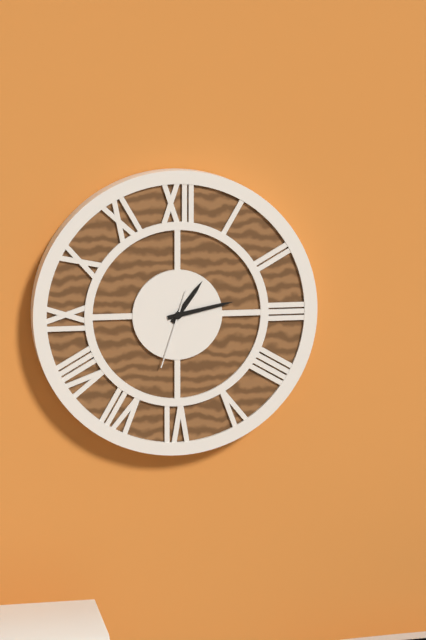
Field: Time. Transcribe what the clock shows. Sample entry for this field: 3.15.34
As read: 1.13.33
